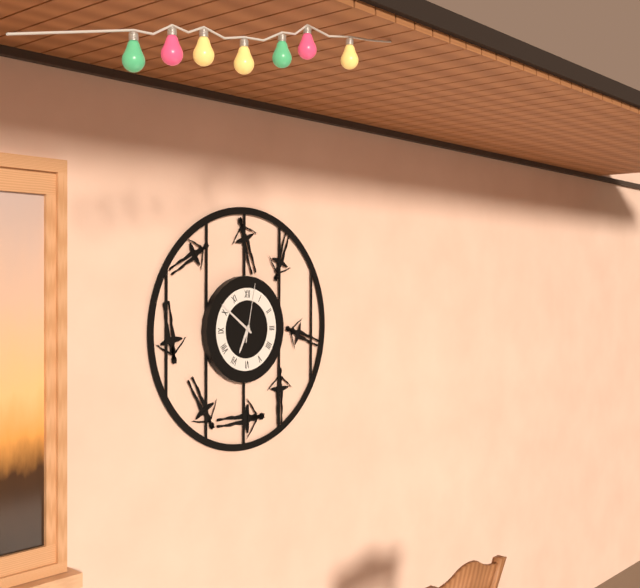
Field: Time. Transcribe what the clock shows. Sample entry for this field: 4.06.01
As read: 6.51.02
